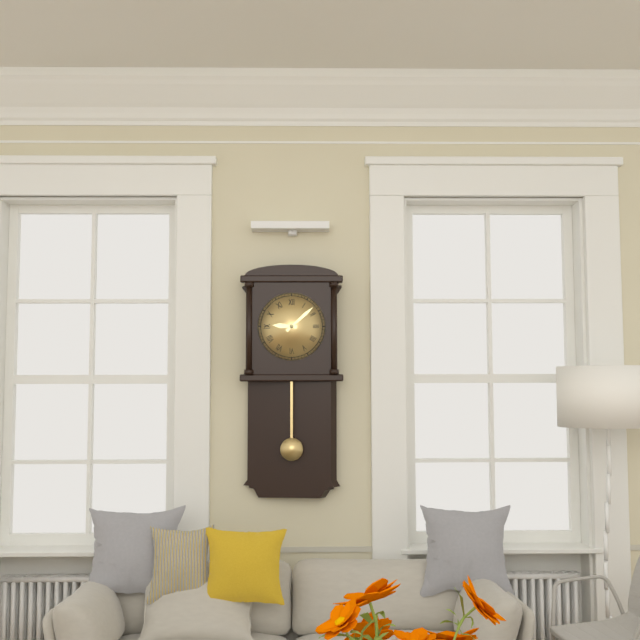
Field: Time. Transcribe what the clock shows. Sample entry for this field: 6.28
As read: 9.08
